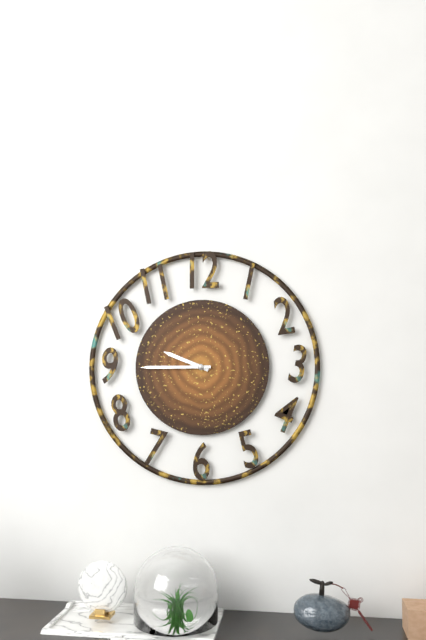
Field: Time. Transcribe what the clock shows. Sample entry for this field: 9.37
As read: 9.45
